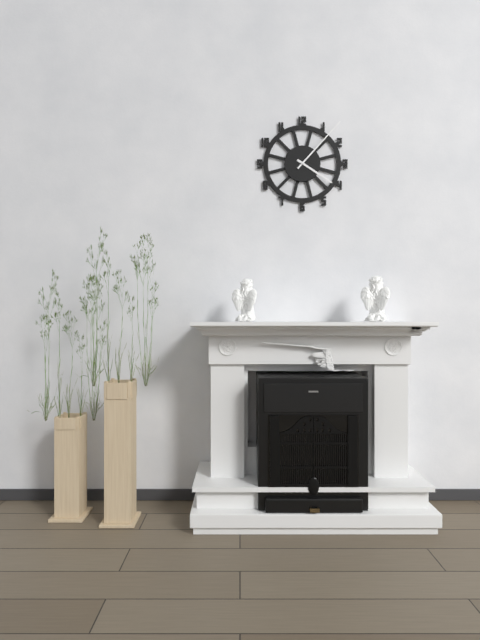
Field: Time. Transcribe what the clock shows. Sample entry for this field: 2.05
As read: 4.07
